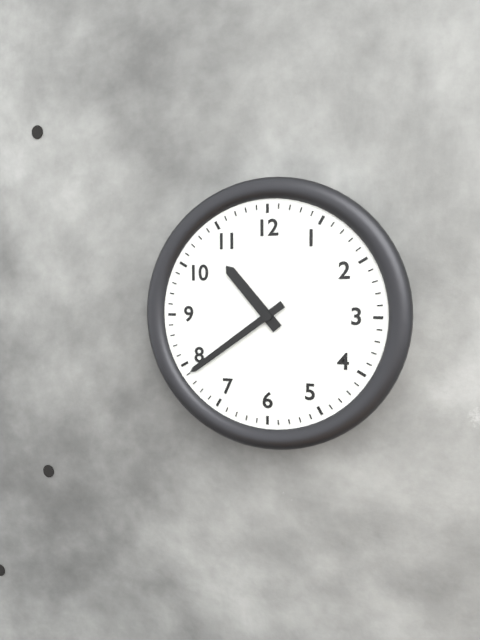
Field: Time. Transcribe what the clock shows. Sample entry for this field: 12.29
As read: 10.39
